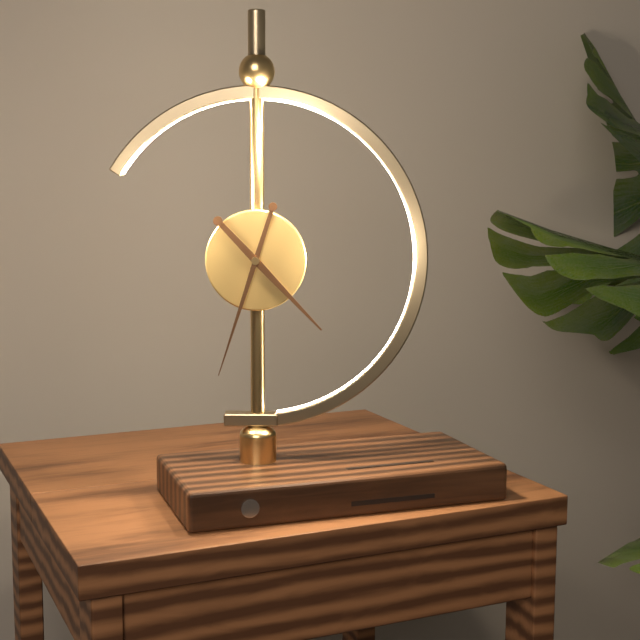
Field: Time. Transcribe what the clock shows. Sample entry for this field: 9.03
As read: 4.33
